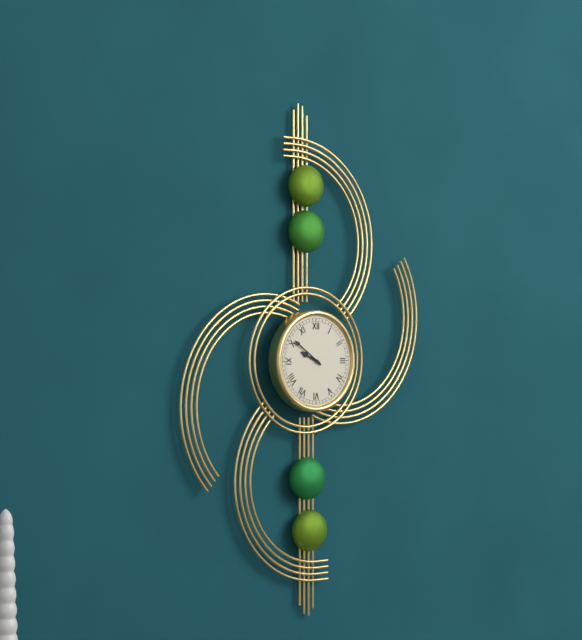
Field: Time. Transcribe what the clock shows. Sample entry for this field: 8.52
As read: 9.51
